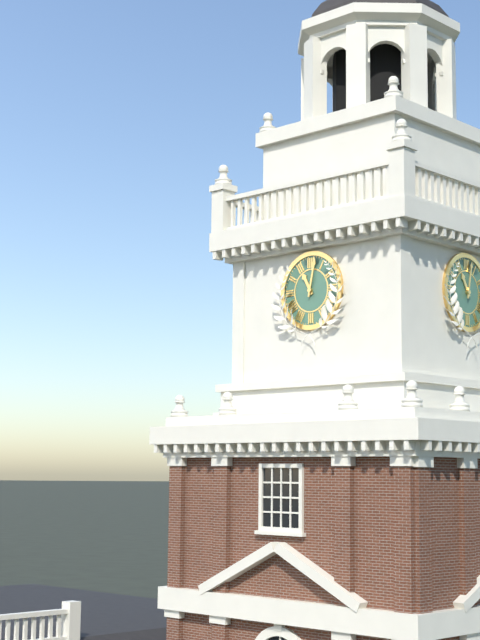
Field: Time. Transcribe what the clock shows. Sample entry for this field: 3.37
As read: 11.02
